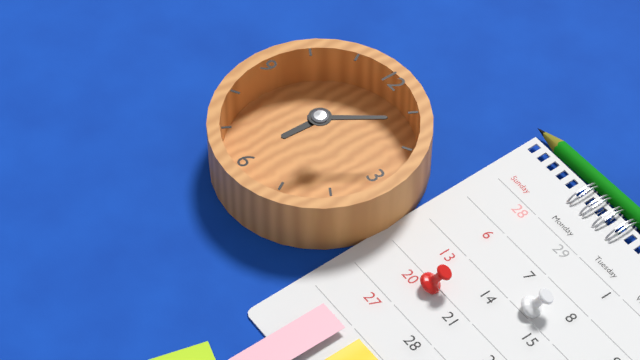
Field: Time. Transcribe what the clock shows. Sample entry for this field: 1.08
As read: 6.06
